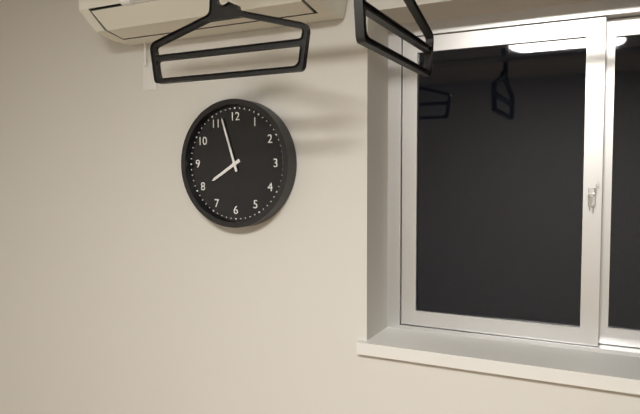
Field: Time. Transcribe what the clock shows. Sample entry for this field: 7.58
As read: 7.57
